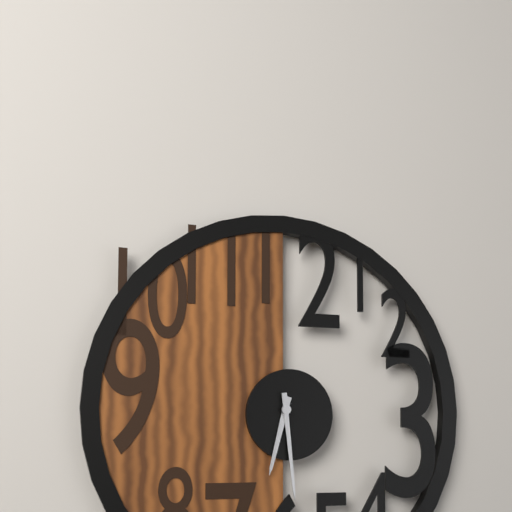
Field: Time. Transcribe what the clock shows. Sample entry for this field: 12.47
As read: 6.29
